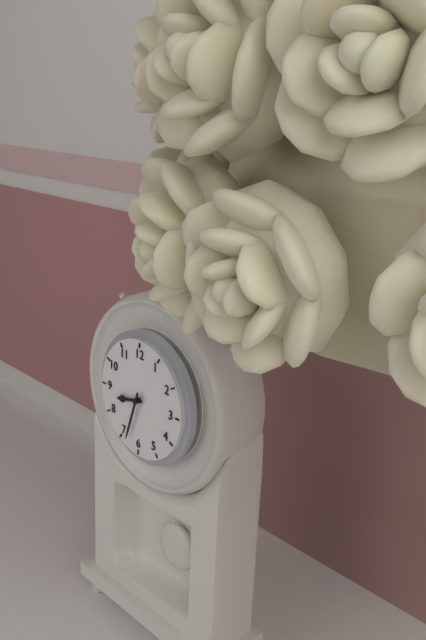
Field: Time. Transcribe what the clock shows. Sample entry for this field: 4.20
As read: 8.33
